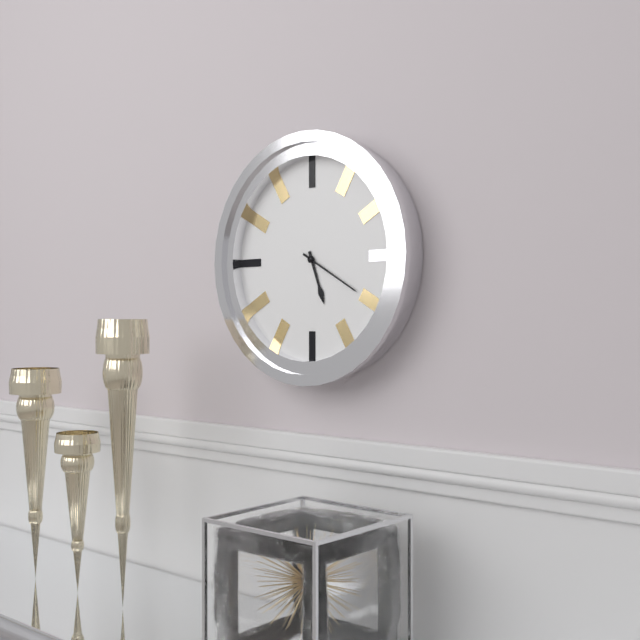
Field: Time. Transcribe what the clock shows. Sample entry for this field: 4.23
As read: 5.20
